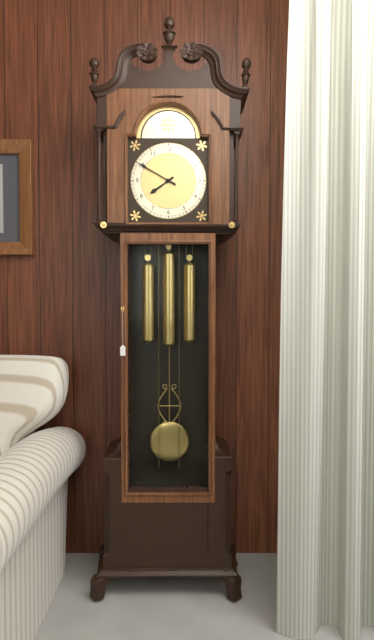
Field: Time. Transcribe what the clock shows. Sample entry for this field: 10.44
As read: 7.50
